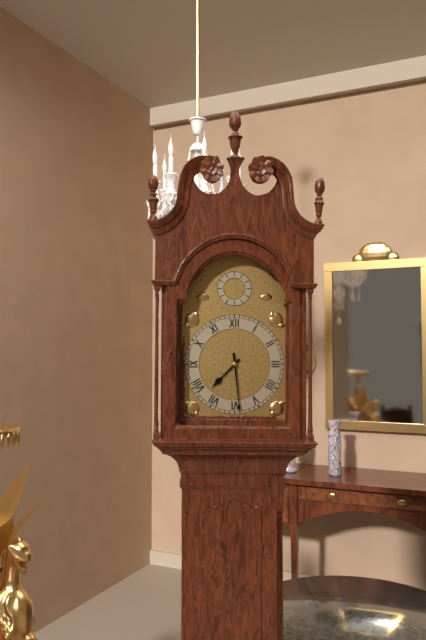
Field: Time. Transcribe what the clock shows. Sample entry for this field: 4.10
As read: 7.29
